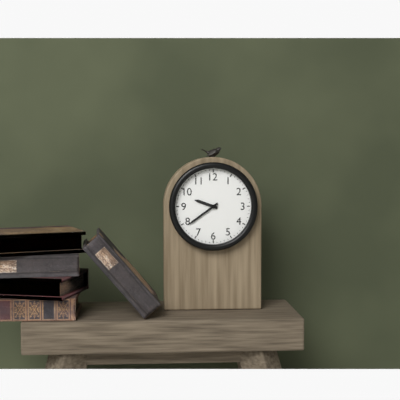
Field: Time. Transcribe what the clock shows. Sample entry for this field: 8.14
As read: 9.39
